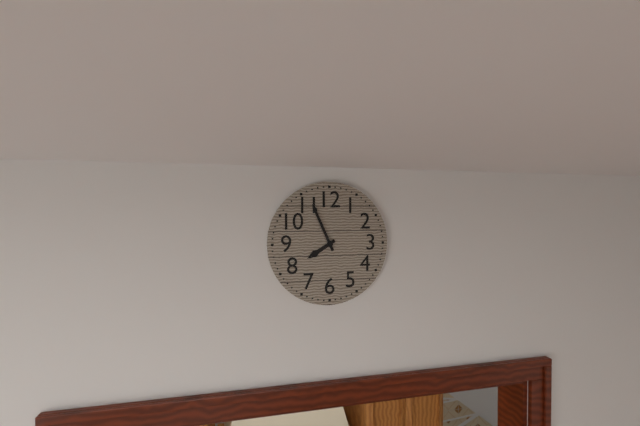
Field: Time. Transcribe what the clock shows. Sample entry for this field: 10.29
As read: 7.56
